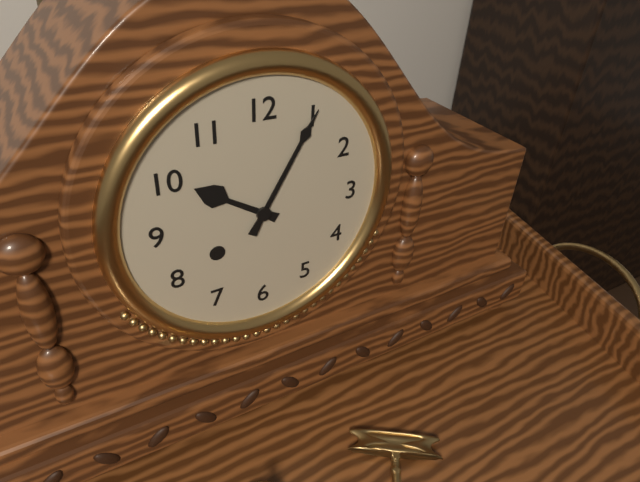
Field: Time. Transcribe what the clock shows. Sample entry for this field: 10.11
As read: 10.05
